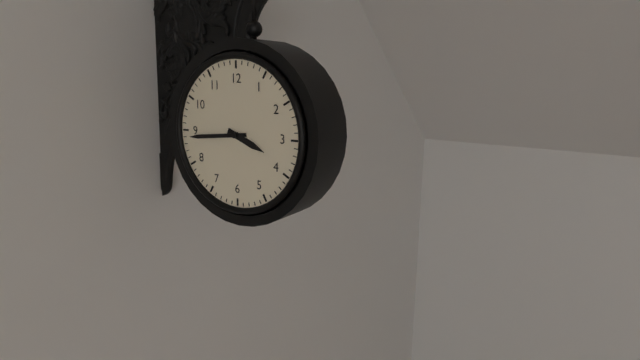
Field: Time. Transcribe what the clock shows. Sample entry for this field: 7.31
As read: 3.44
